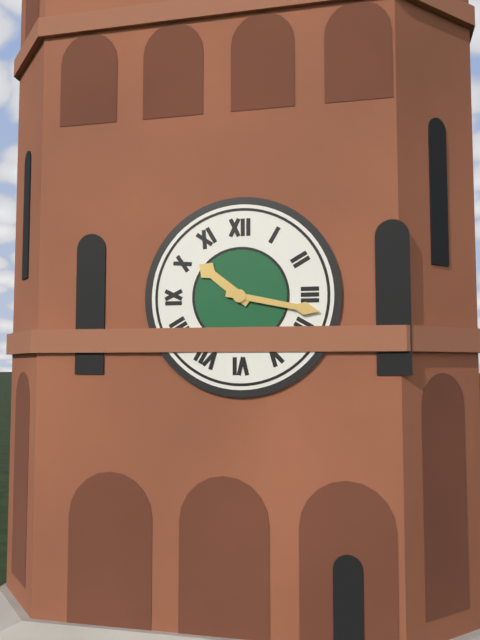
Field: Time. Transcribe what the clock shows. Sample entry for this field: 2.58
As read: 10.17
